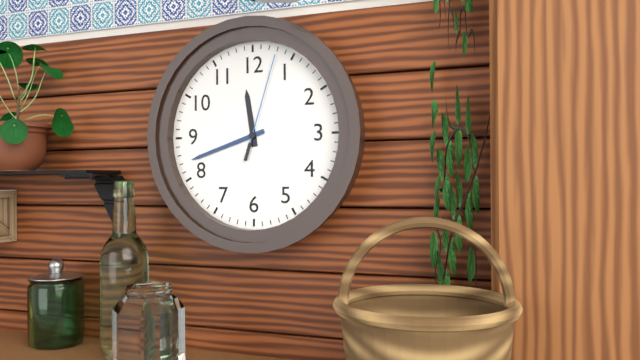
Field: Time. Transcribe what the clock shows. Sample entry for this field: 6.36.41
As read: 11.42.03
